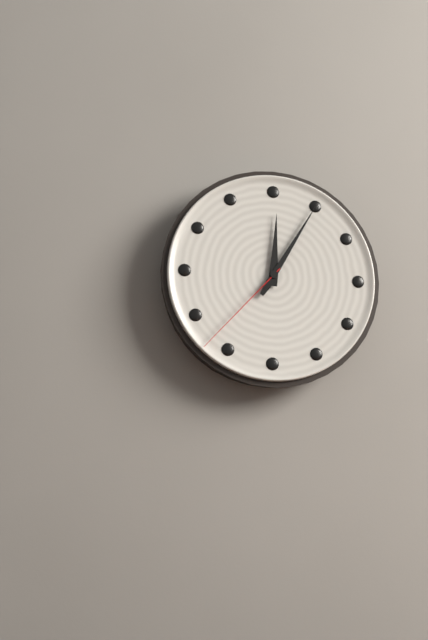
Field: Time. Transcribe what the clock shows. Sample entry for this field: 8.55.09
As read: 12.05.37
